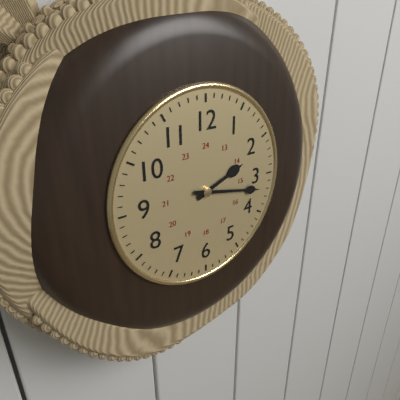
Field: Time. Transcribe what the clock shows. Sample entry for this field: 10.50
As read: 2.17
